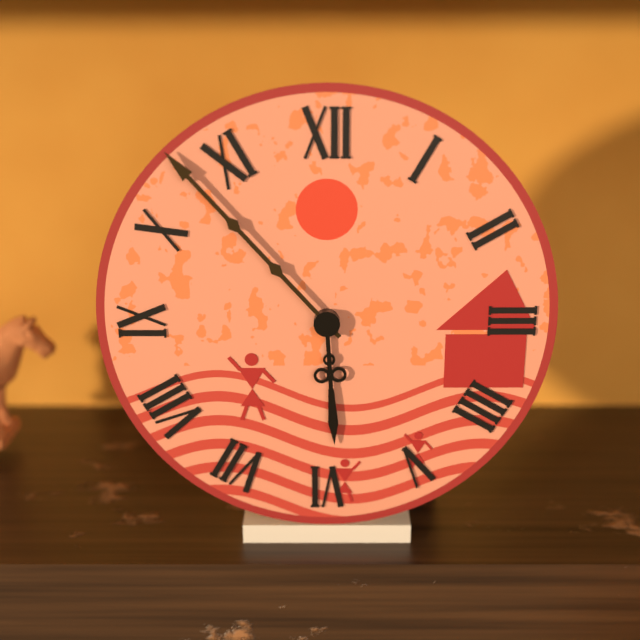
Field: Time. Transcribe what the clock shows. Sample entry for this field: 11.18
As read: 5.53
